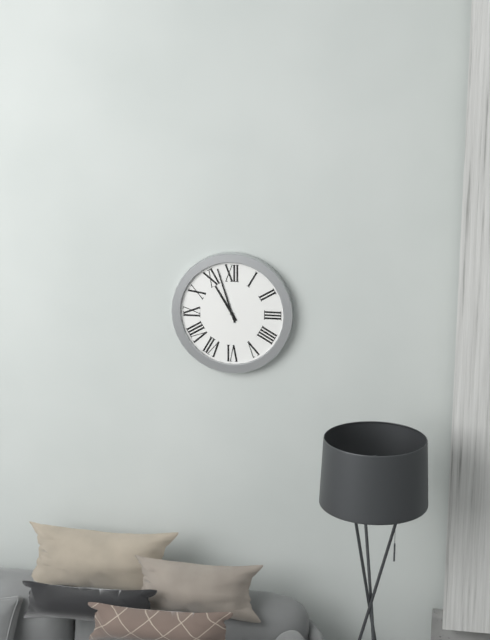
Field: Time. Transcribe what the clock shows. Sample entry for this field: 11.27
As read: 10.57
